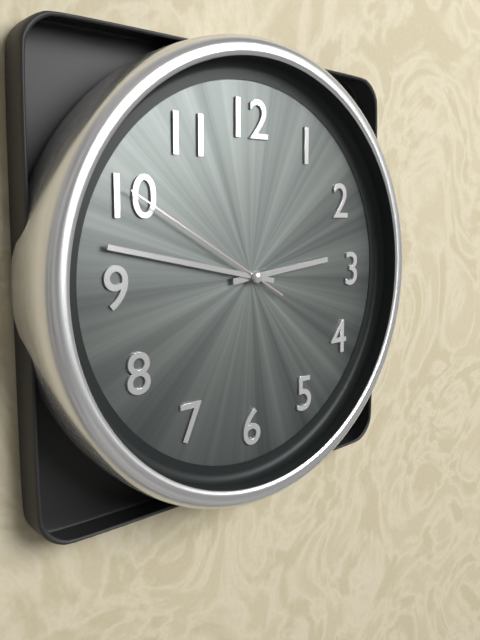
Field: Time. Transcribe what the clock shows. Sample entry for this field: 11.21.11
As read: 2.47.50
